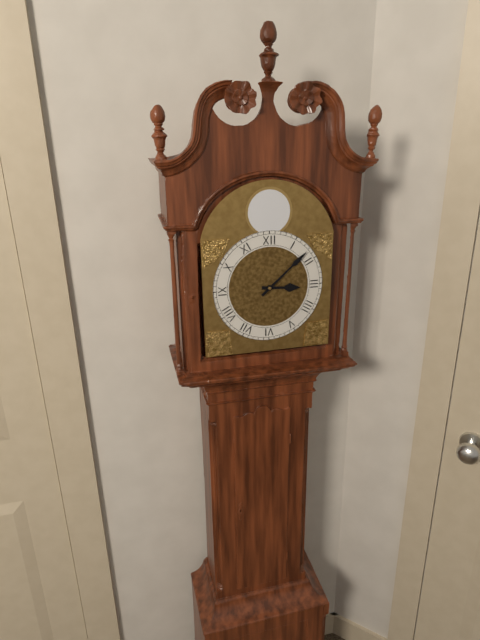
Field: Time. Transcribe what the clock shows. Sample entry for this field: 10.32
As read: 3.08
